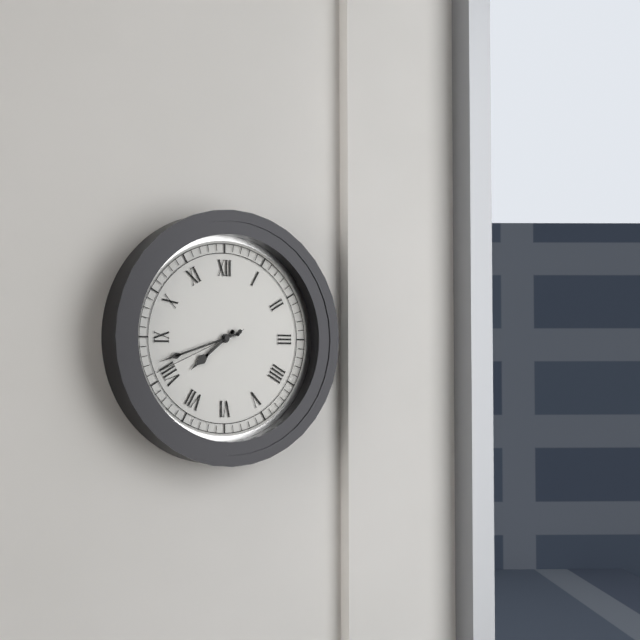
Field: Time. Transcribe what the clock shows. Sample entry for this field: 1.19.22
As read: 7.42.41
